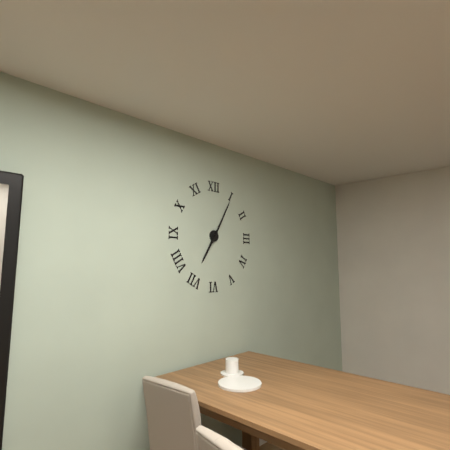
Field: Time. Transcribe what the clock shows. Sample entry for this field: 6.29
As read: 7.05
